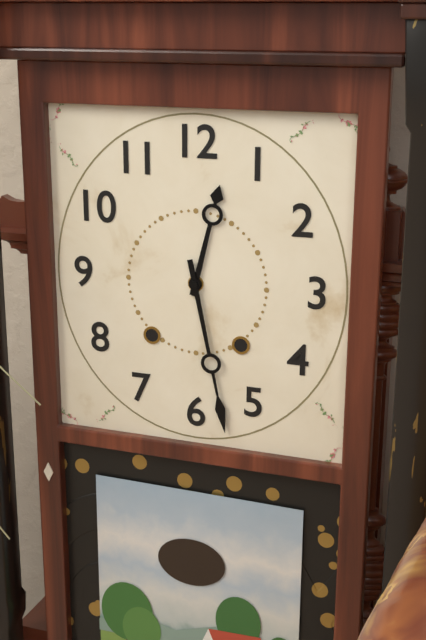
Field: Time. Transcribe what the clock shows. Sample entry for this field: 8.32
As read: 12.28
